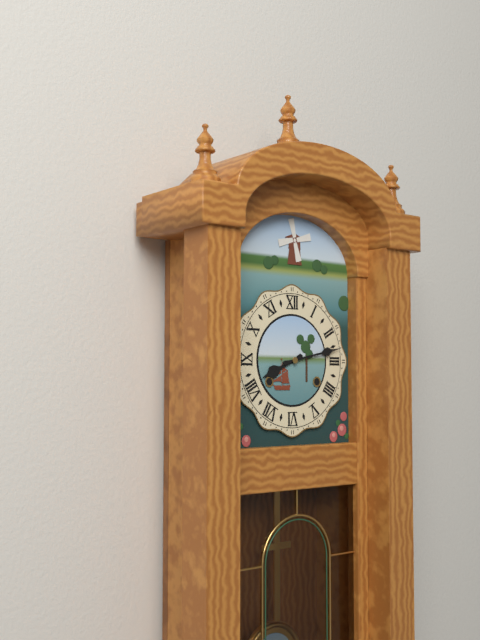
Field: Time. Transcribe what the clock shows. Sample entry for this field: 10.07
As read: 8.13
